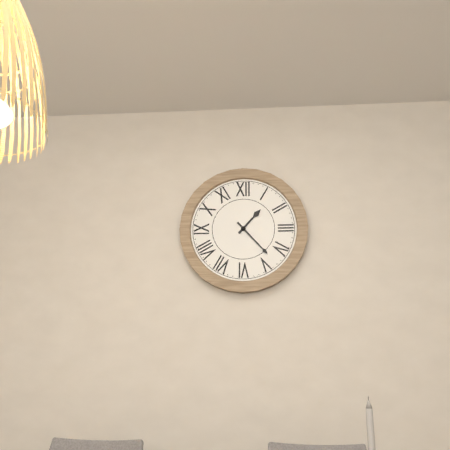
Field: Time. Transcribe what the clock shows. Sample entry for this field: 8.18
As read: 1.23
